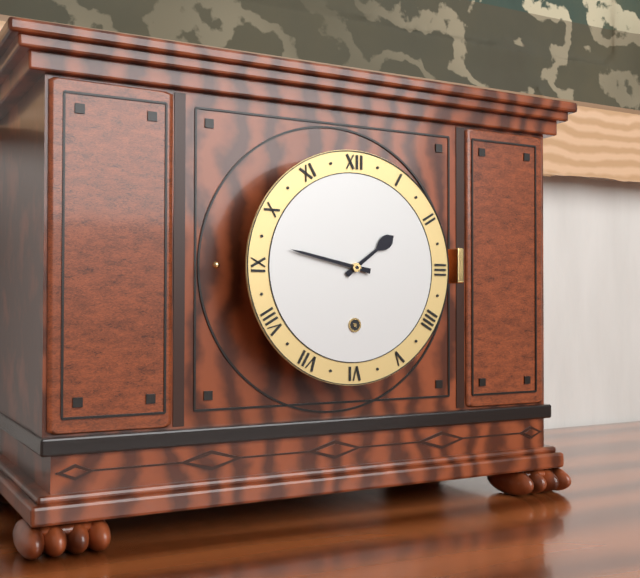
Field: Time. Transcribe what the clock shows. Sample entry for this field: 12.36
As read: 1.47
